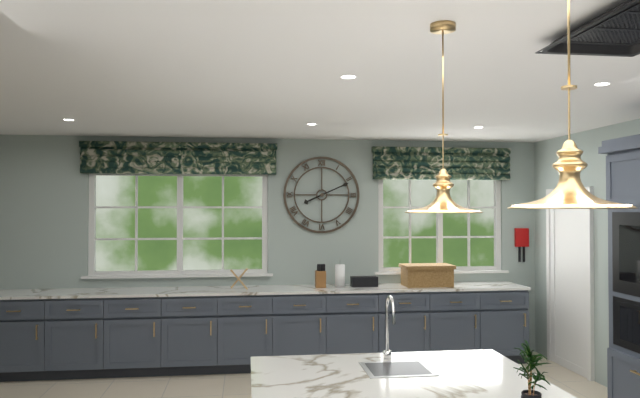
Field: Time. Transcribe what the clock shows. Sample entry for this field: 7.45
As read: 8.11
